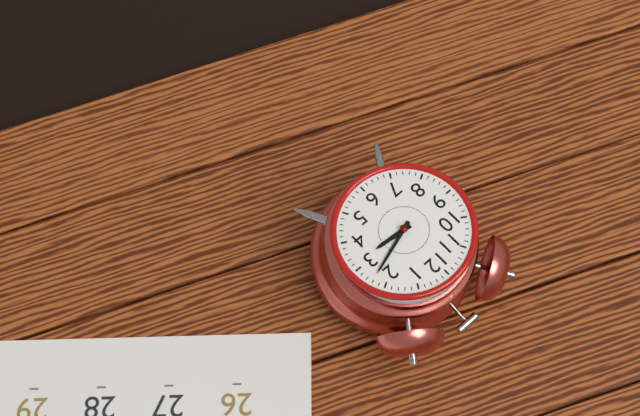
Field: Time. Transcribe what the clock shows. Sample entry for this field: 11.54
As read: 3.12
